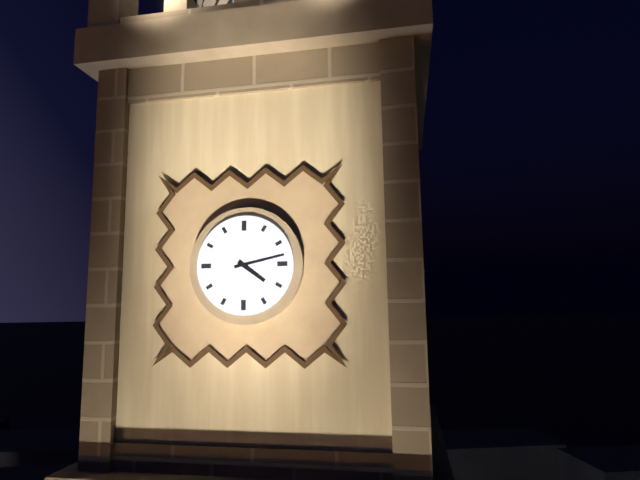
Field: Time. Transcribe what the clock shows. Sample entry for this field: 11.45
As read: 4.13
